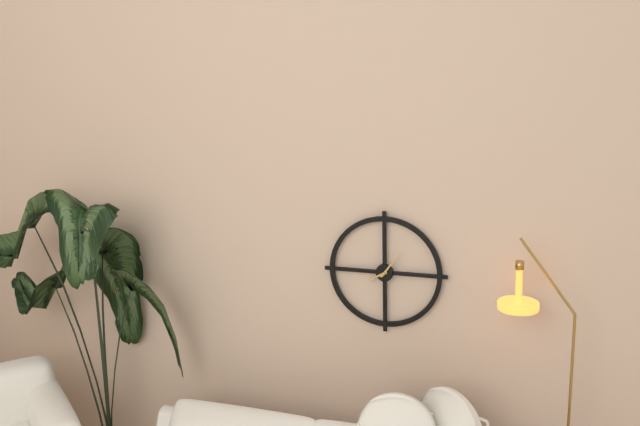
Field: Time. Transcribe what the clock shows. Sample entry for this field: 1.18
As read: 8.06
